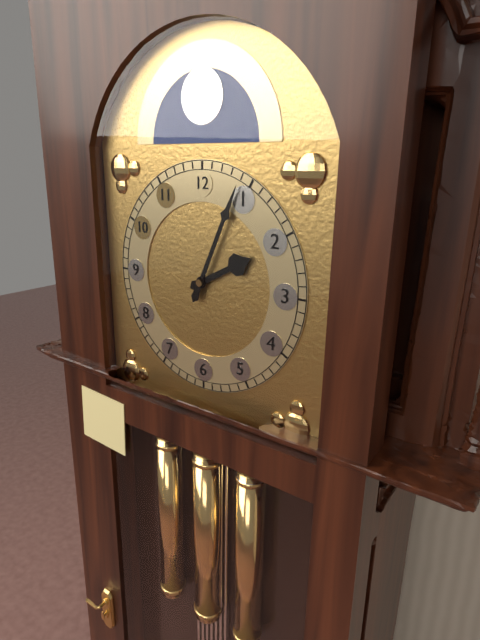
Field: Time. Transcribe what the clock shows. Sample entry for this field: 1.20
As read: 2.04
